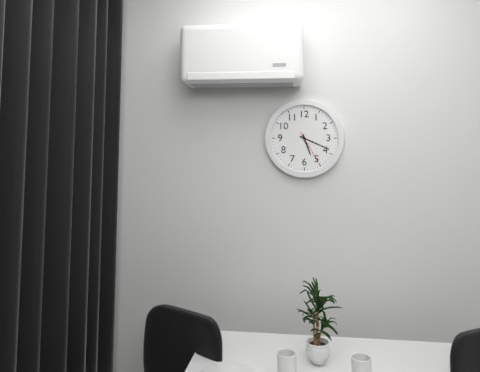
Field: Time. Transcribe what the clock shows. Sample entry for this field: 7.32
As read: 5.19
